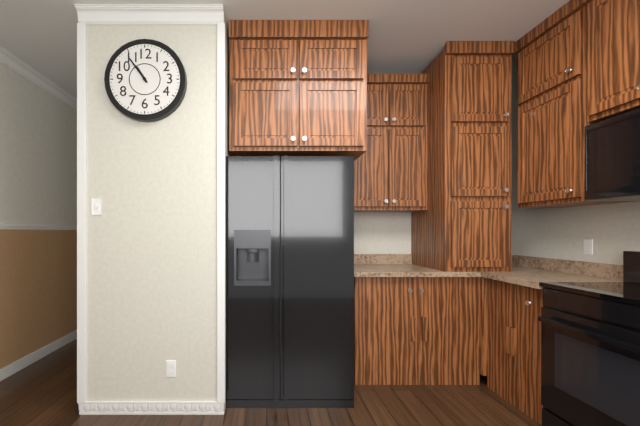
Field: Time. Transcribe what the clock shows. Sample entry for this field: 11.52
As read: 10.54
